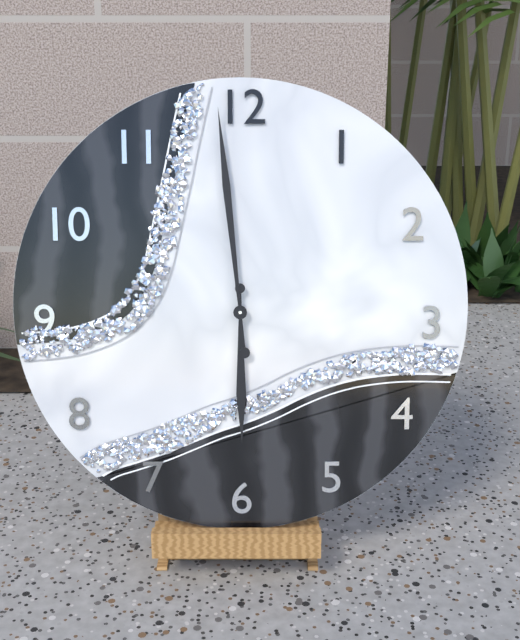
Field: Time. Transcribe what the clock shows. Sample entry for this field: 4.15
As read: 5.59
